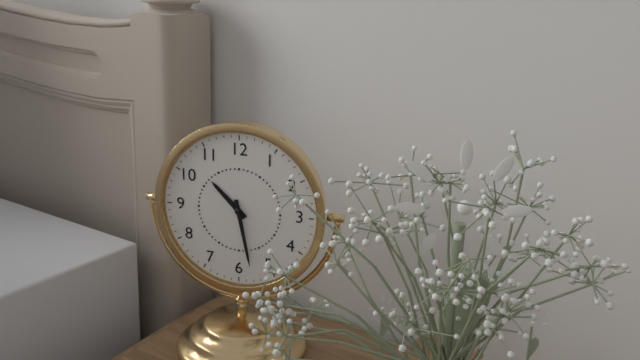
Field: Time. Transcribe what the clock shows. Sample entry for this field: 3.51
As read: 10.28
